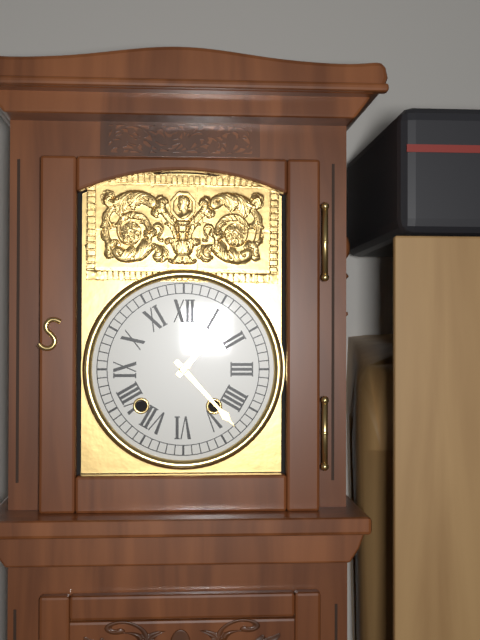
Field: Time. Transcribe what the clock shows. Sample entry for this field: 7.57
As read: 1.23
